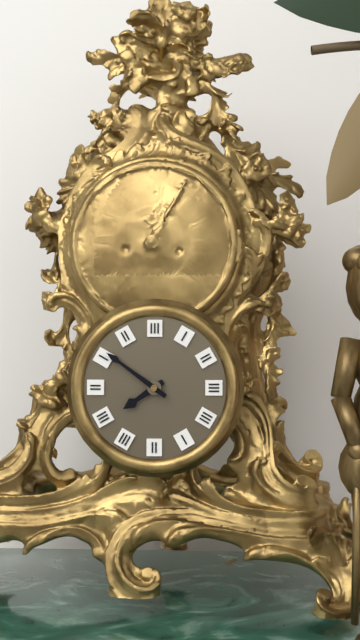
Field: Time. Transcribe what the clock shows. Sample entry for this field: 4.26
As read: 7.51
